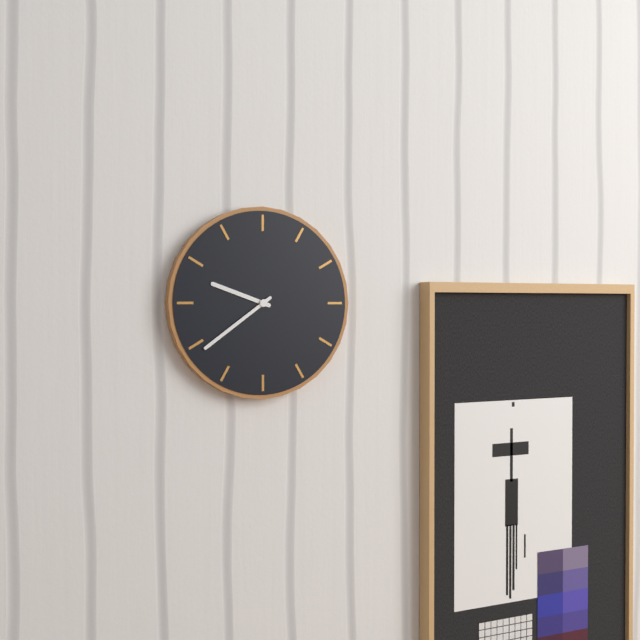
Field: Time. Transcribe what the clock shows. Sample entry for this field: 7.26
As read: 9.39
